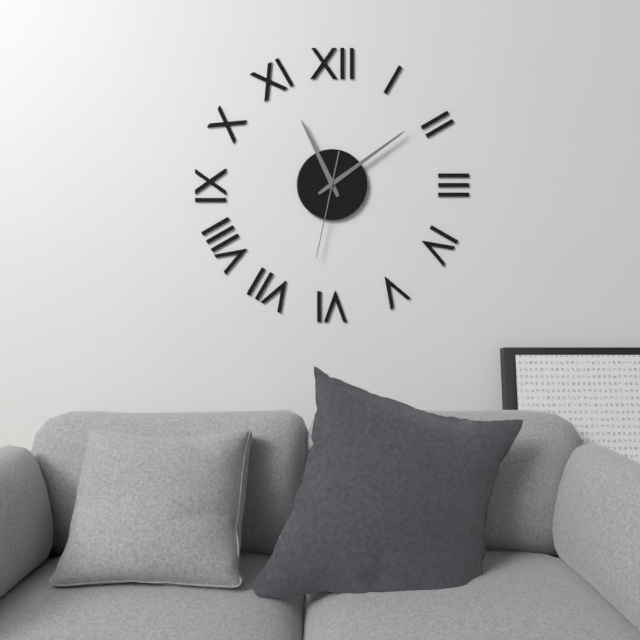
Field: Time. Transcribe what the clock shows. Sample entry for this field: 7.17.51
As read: 11.09.32
